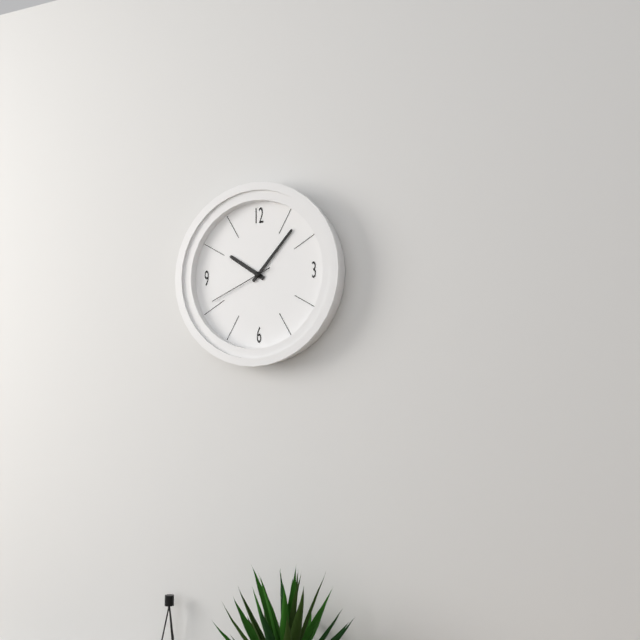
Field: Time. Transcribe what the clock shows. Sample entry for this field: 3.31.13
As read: 10.07.41
